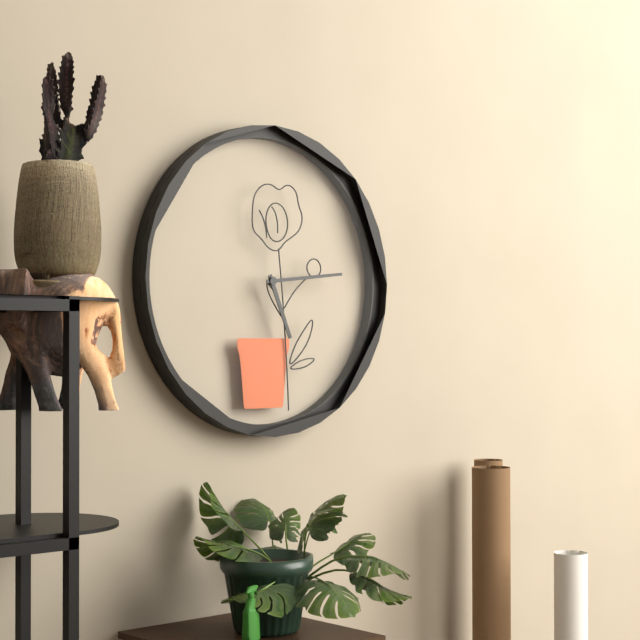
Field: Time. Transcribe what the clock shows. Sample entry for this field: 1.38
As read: 5.14
